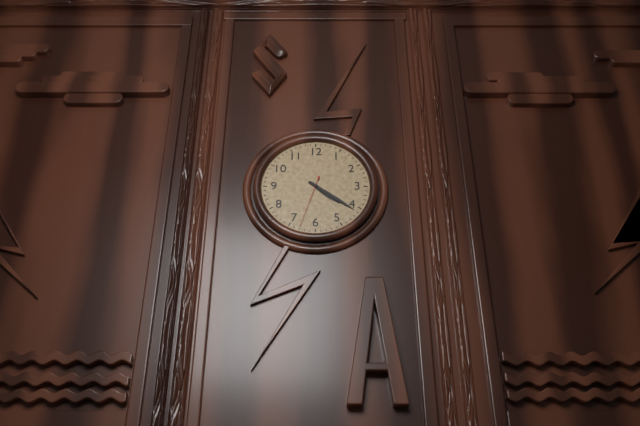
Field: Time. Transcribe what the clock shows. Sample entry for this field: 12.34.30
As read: 4.21.33
